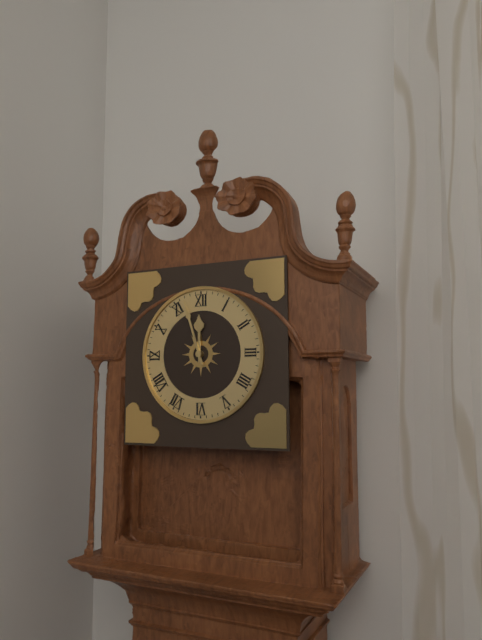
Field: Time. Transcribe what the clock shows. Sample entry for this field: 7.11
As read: 11.57
